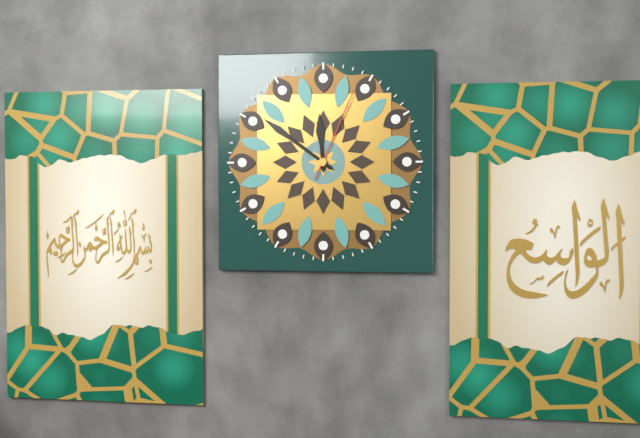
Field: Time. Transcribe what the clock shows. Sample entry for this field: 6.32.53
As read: 11.51.04
